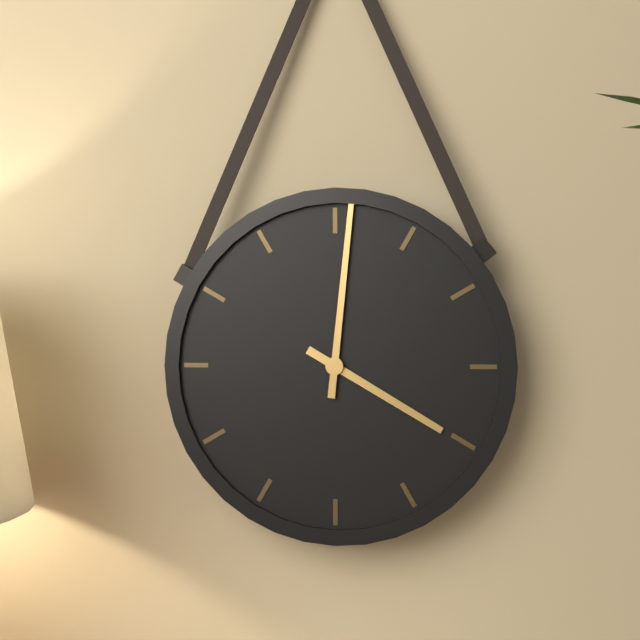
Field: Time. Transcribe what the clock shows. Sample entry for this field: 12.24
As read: 4.01
